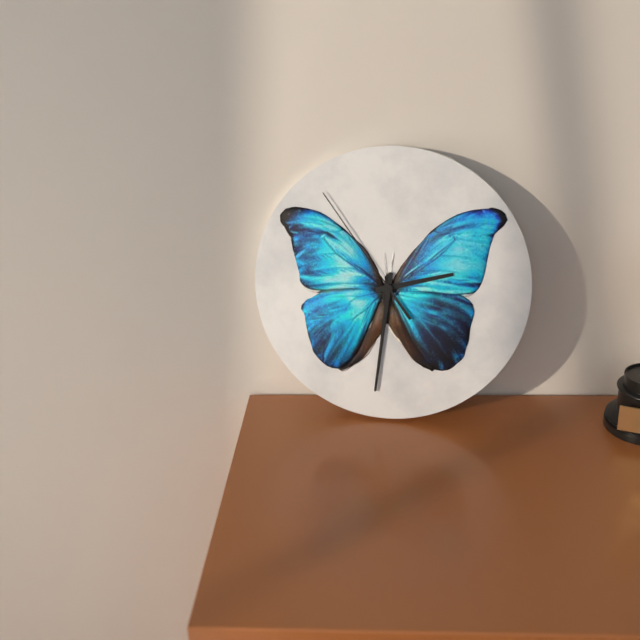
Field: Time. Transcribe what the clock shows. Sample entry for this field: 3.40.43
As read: 2.31.54
